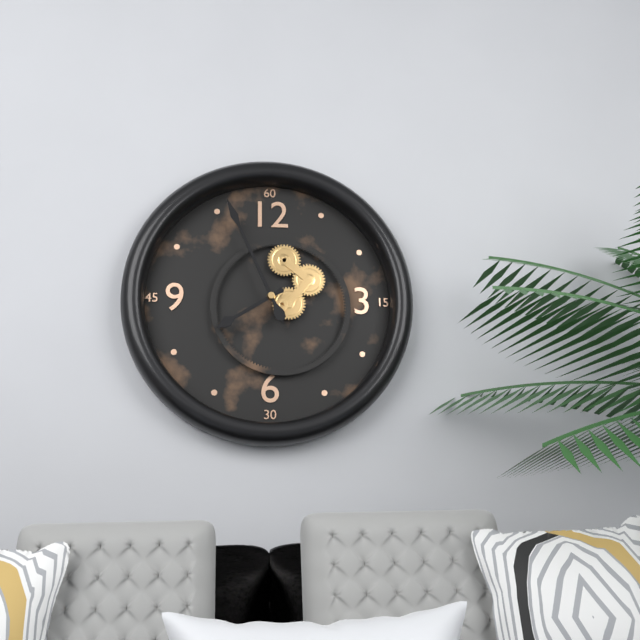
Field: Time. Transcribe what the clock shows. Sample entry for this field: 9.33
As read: 7.56
